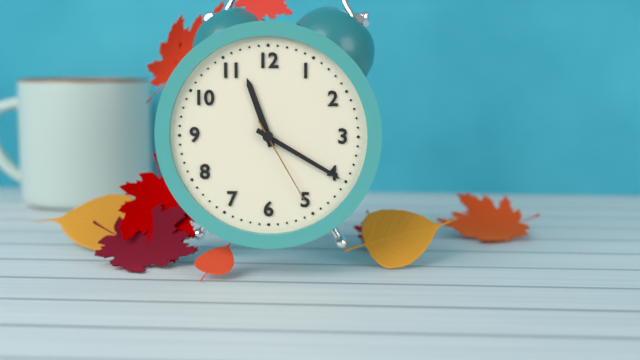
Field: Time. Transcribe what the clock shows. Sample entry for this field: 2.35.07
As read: 11.20.25
